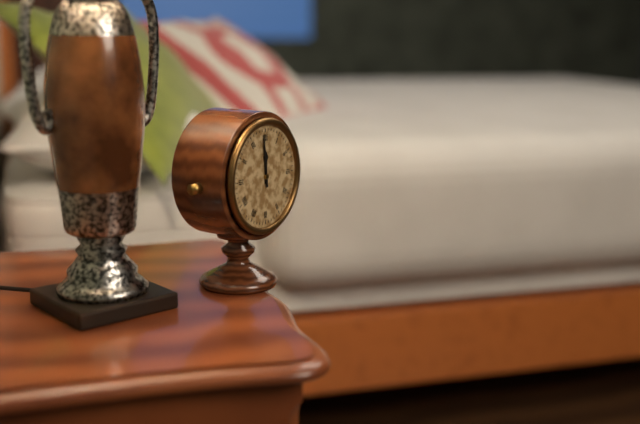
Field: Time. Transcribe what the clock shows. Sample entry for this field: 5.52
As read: 11.59
